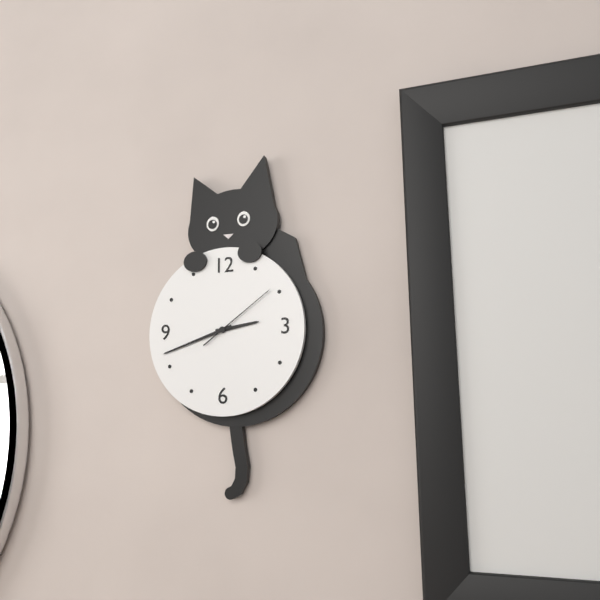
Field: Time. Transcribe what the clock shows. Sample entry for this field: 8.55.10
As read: 2.42.09
